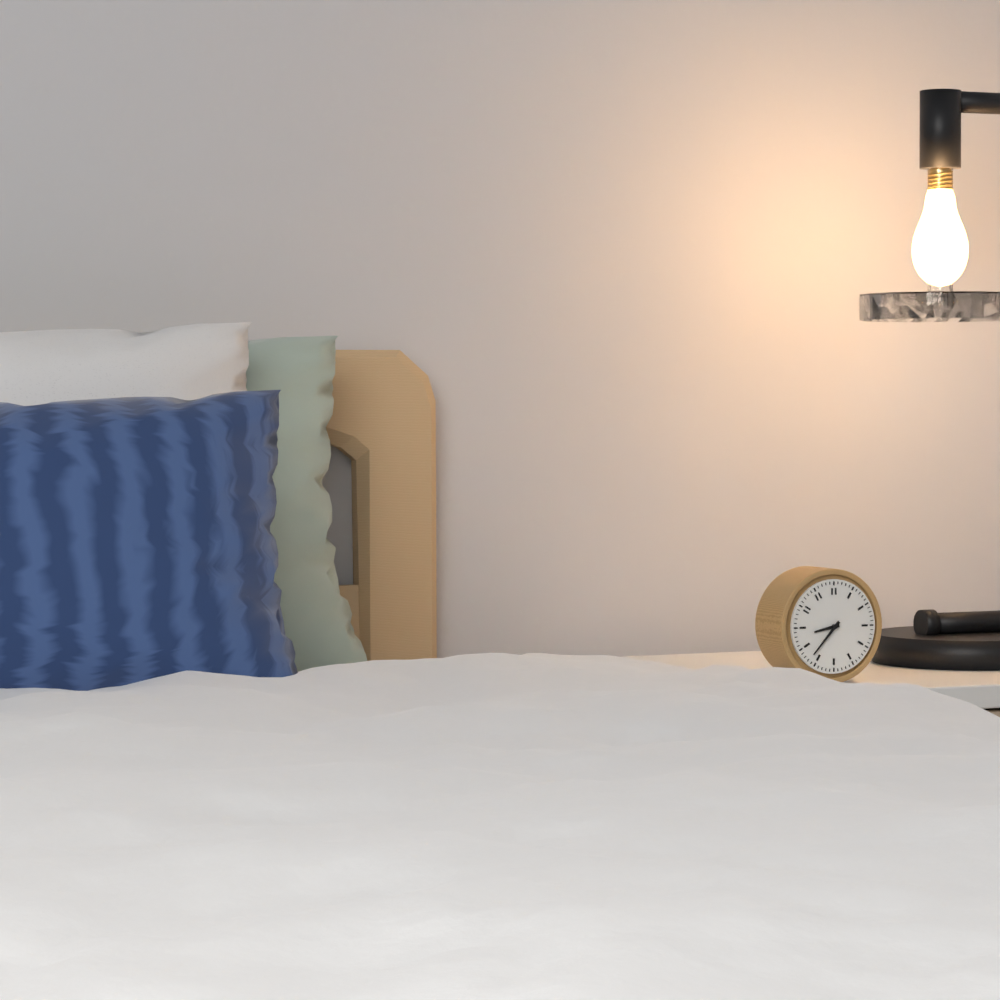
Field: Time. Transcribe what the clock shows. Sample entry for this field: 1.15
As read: 8.37
